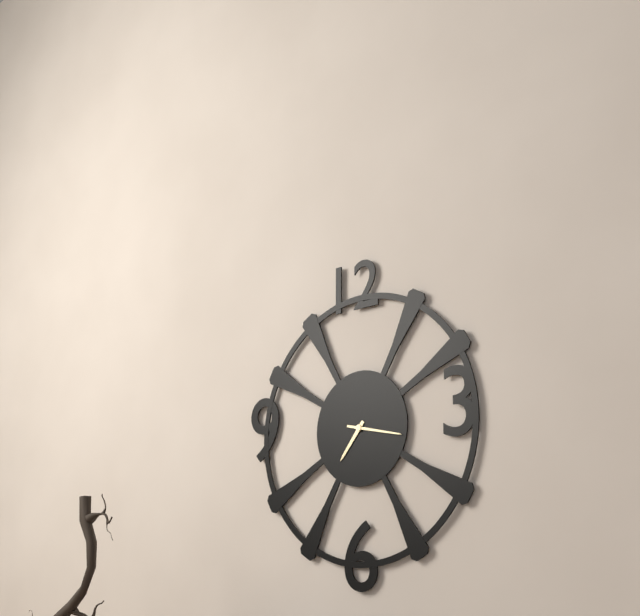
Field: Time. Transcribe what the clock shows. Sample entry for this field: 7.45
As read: 7.17
